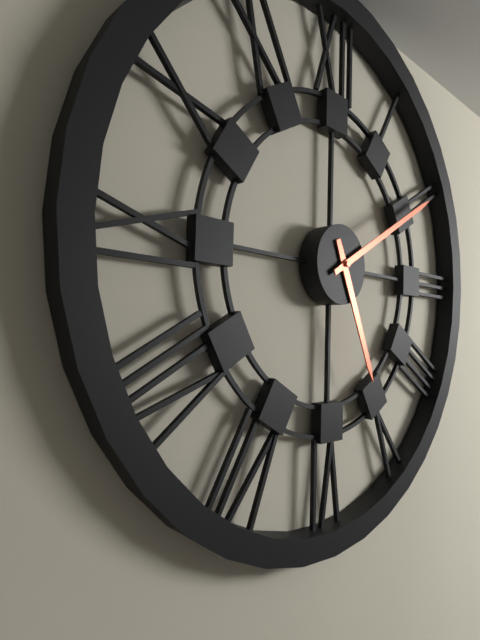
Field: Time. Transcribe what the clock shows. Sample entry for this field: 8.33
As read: 5.10
